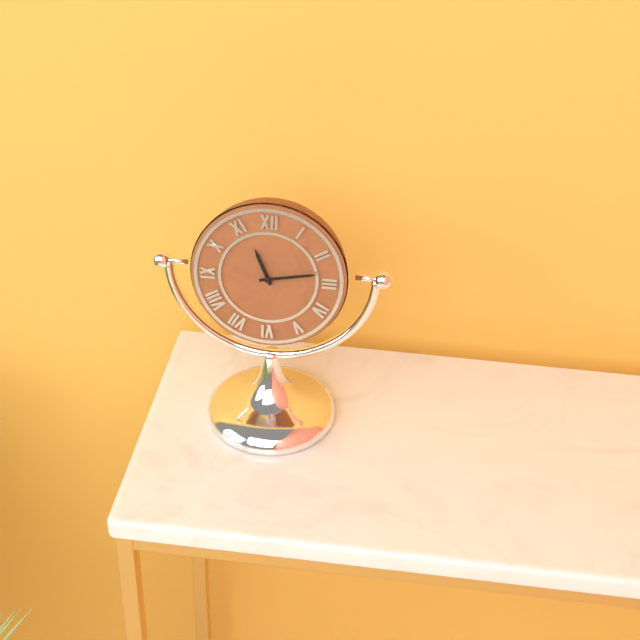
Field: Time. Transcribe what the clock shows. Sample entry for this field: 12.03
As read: 11.13
